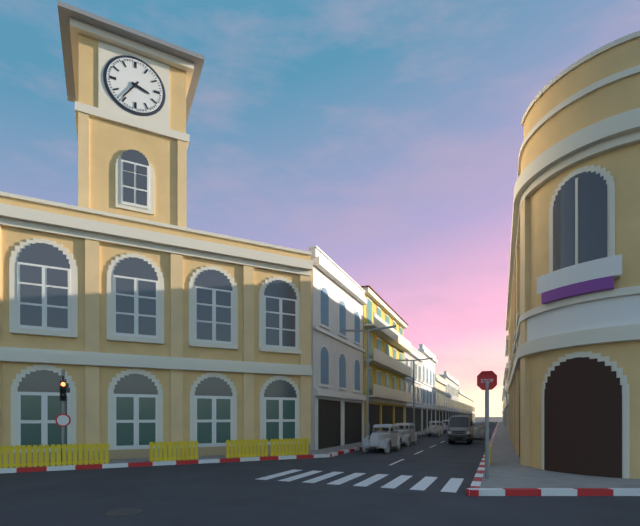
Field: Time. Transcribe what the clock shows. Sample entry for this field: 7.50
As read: 3.36
